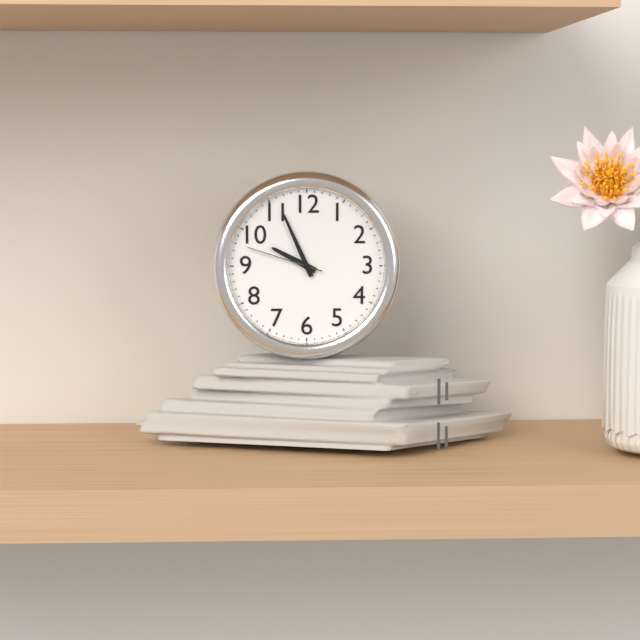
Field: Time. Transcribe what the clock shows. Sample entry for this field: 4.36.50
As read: 9.56.48
